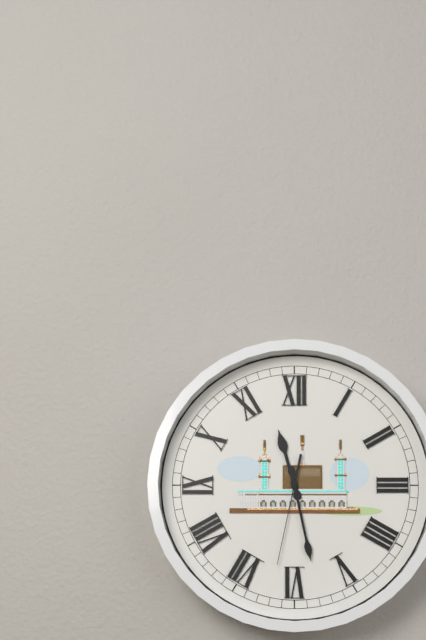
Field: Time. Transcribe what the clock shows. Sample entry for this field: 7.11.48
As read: 11.28.32
